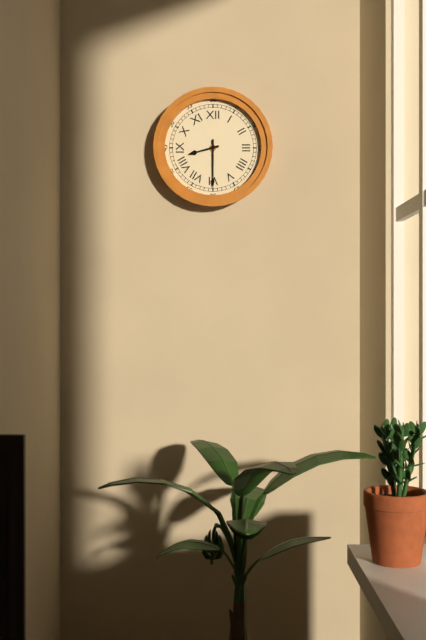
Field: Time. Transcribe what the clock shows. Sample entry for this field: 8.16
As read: 8.30
